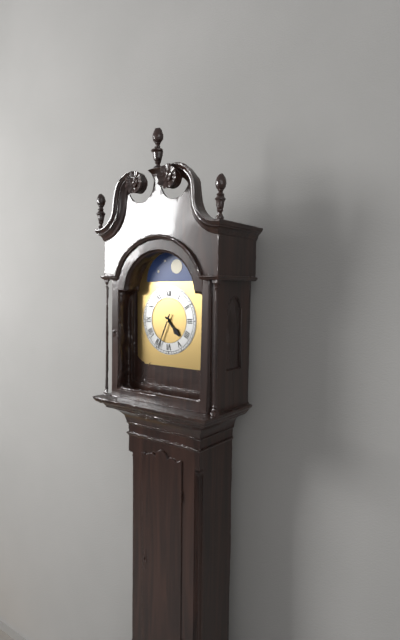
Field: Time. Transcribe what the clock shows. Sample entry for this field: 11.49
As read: 4.34
